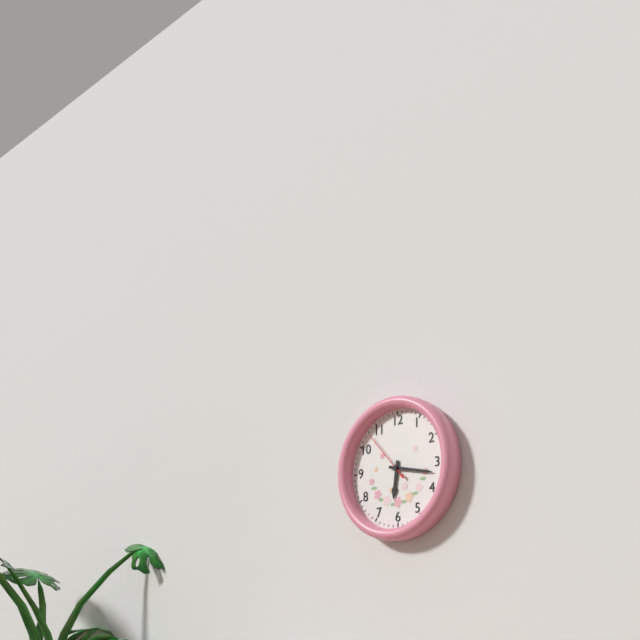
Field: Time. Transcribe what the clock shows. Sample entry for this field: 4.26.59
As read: 6.17.53
